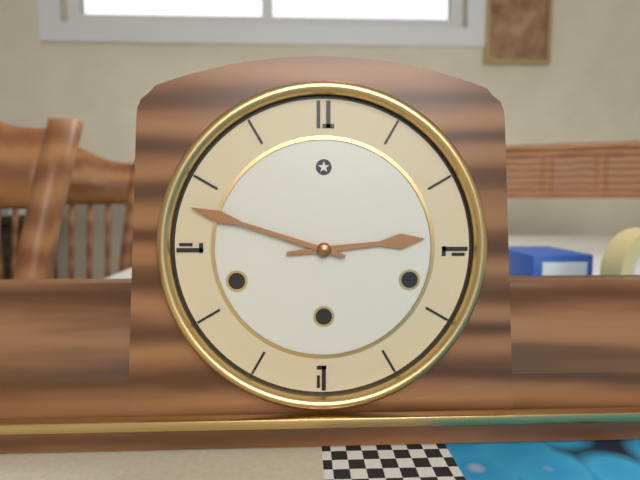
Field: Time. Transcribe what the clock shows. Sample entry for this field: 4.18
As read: 2.48
